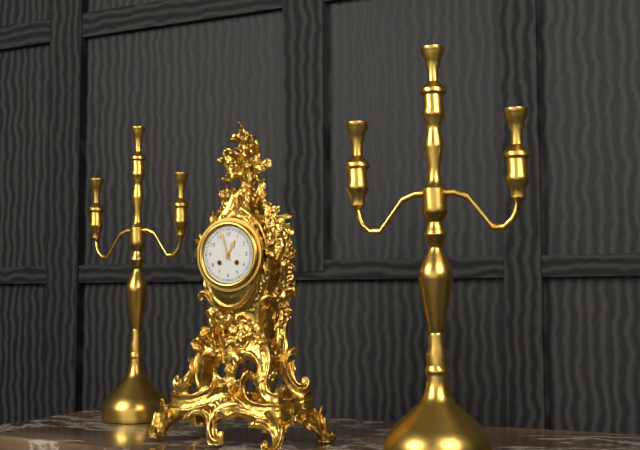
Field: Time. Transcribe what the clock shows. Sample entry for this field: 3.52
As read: 12.57
